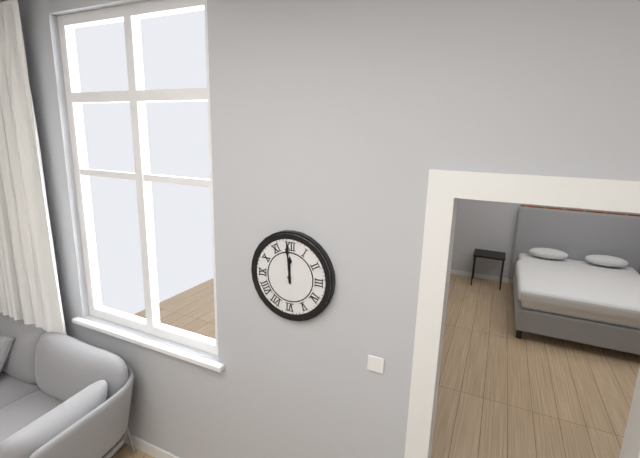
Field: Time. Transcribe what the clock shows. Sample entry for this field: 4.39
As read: 11.59
